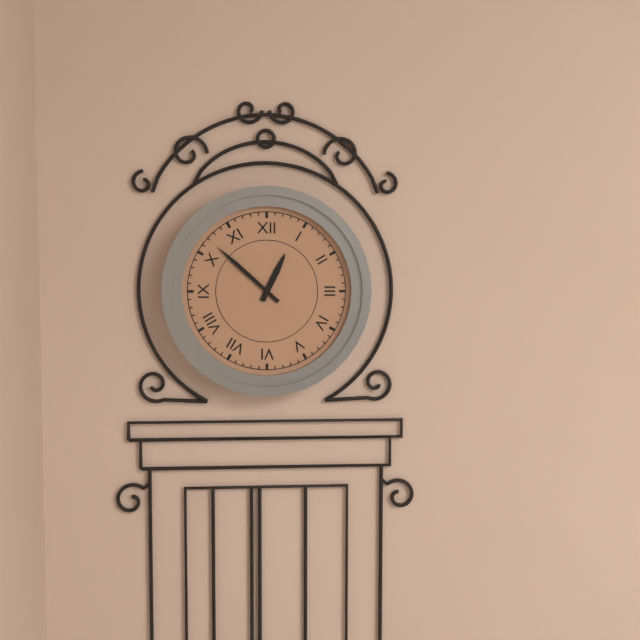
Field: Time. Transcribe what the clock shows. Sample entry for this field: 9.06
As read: 12.52
